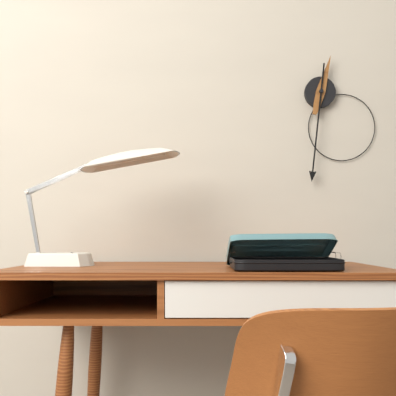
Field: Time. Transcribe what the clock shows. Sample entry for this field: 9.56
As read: 12.31
